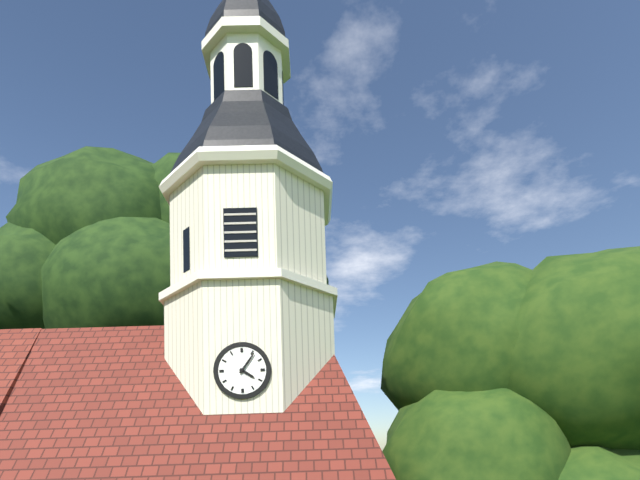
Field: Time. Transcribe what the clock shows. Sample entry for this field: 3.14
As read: 4.06
